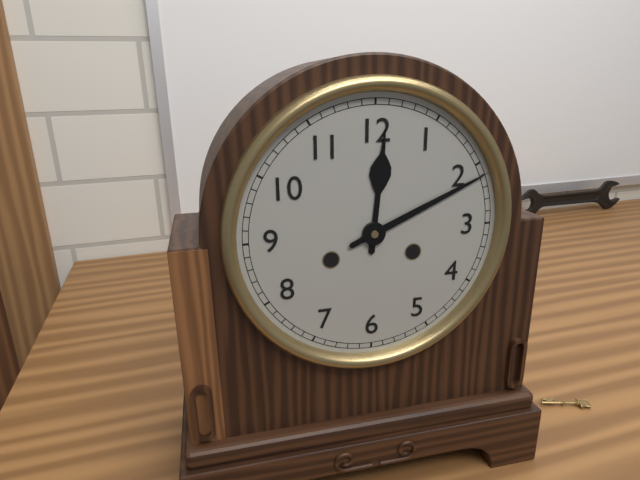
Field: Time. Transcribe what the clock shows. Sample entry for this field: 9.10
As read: 12.11
